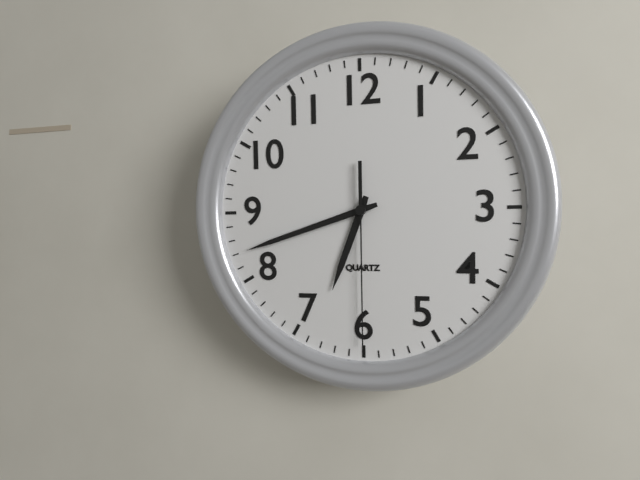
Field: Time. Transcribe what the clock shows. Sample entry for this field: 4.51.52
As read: 6.42.30
